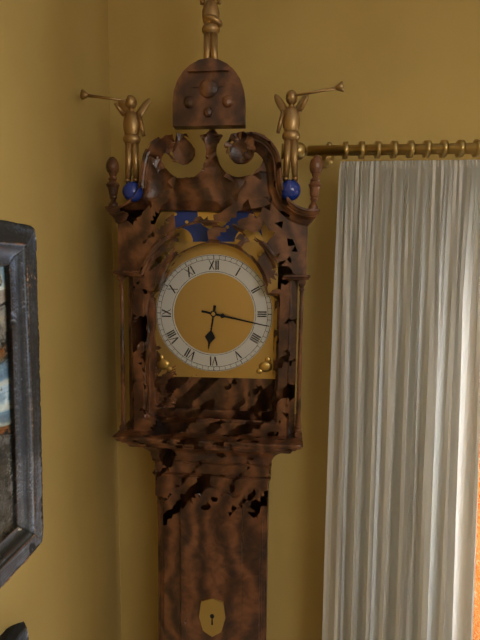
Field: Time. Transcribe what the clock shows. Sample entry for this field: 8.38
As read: 6.17
